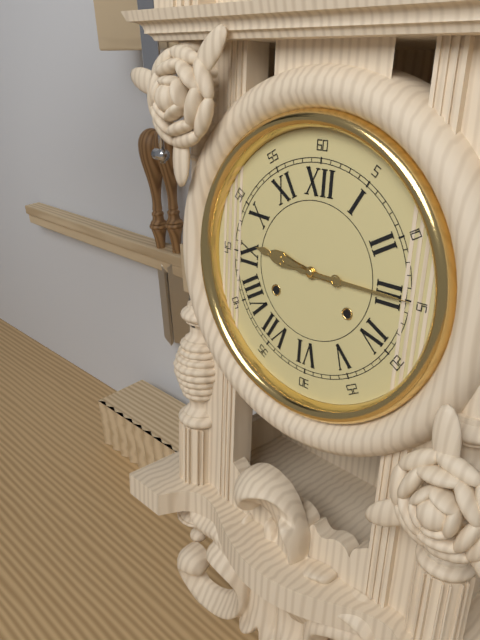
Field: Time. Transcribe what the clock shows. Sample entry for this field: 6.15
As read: 9.15
